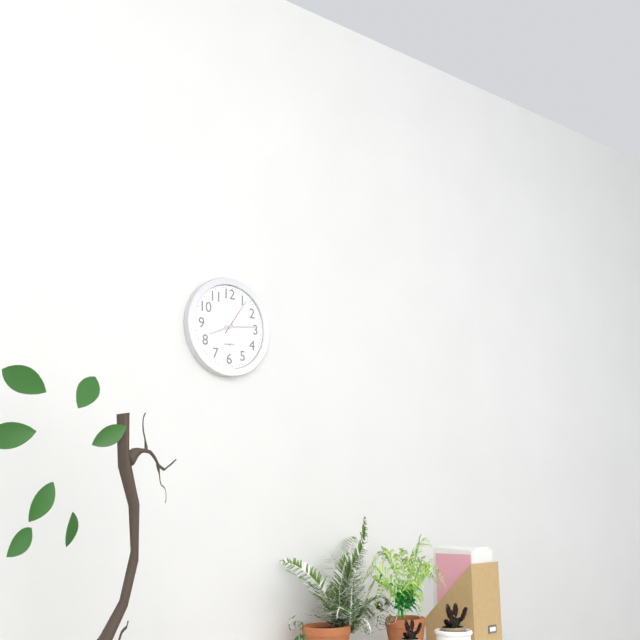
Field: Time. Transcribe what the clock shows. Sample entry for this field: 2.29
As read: 8.14
